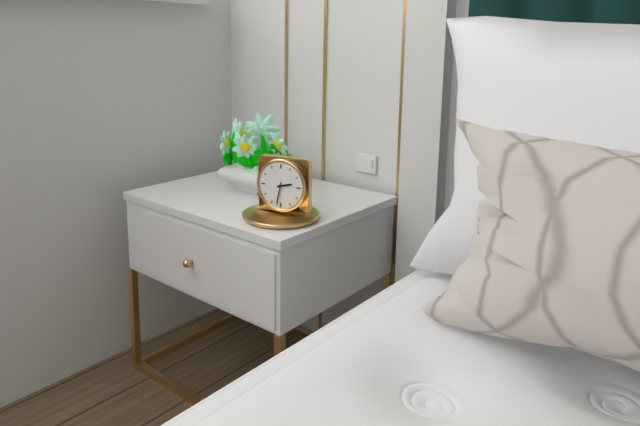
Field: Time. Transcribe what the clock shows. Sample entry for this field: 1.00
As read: 2.32
